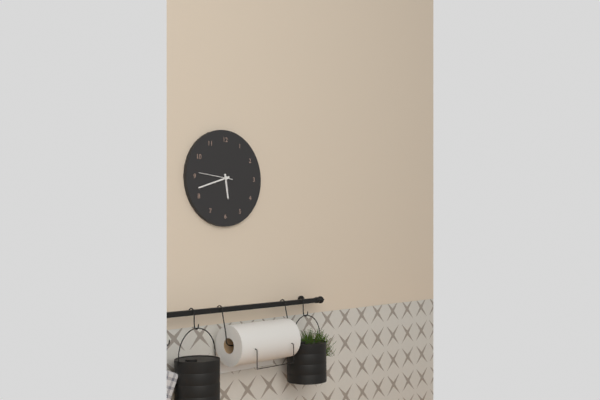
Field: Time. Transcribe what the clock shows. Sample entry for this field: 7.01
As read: 5.42
